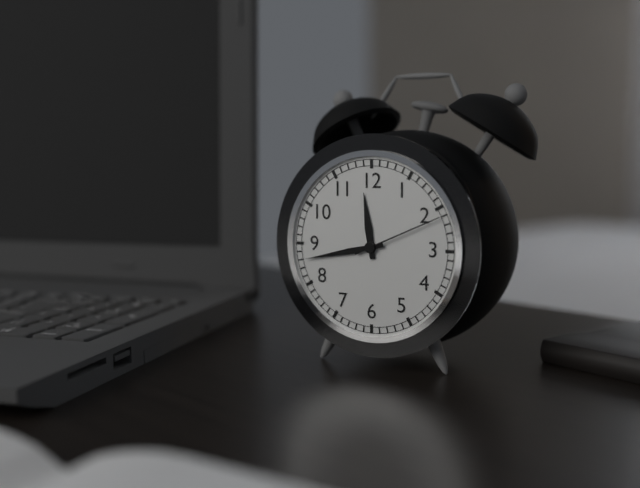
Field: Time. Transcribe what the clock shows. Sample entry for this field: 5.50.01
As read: 11.43.11
